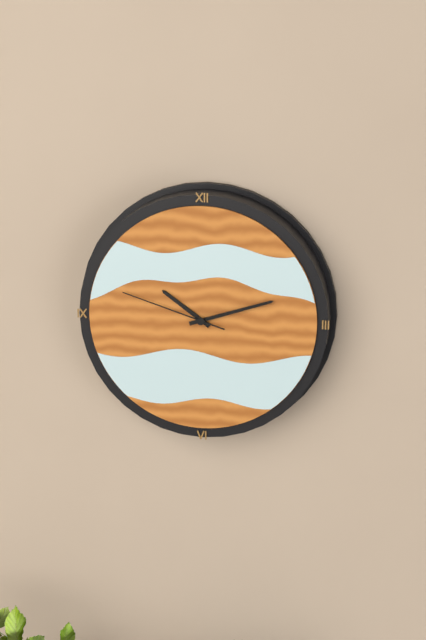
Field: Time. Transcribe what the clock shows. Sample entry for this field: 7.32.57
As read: 10.12.48
